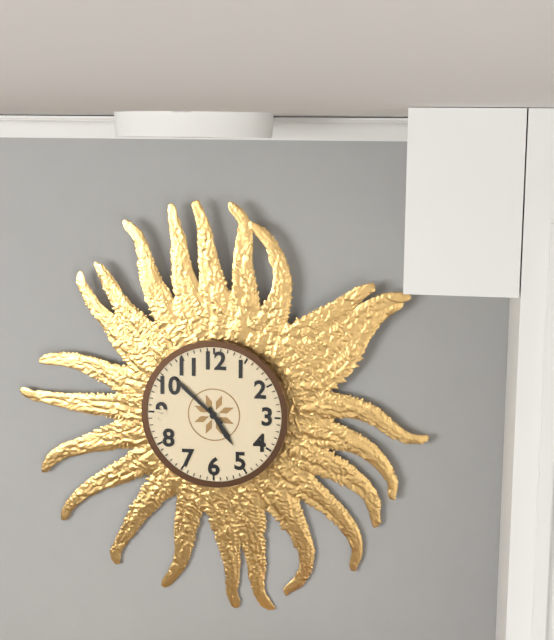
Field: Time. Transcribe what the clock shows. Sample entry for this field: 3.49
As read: 4.52
